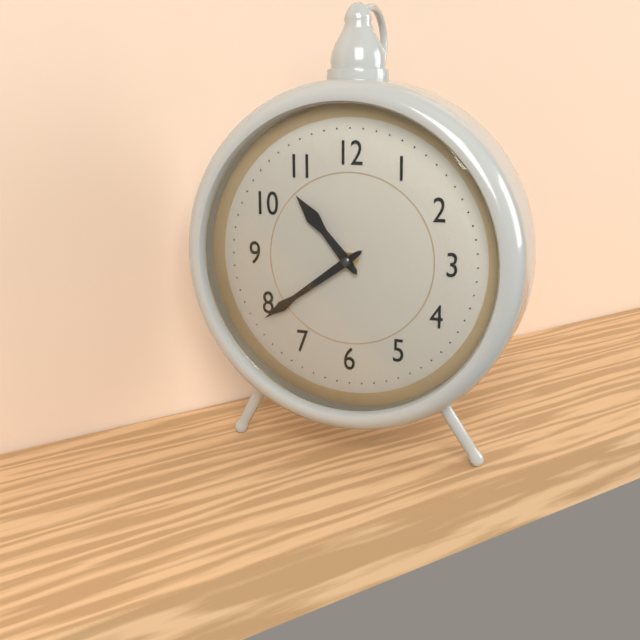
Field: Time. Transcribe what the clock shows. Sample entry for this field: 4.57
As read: 10.39
